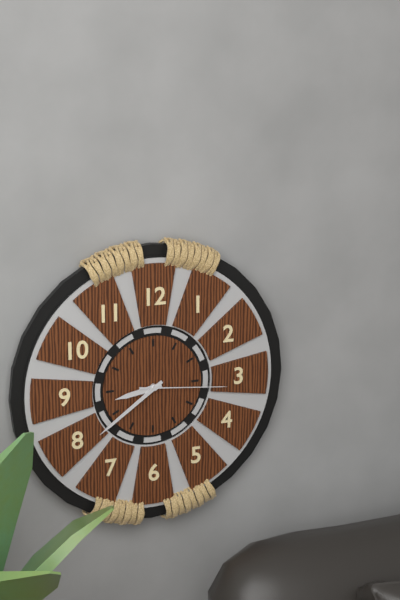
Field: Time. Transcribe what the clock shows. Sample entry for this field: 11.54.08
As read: 8.39.16
